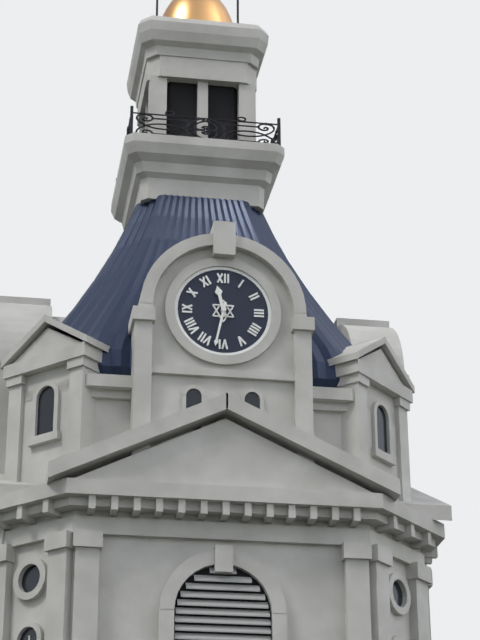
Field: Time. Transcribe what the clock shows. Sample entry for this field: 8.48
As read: 11.32
